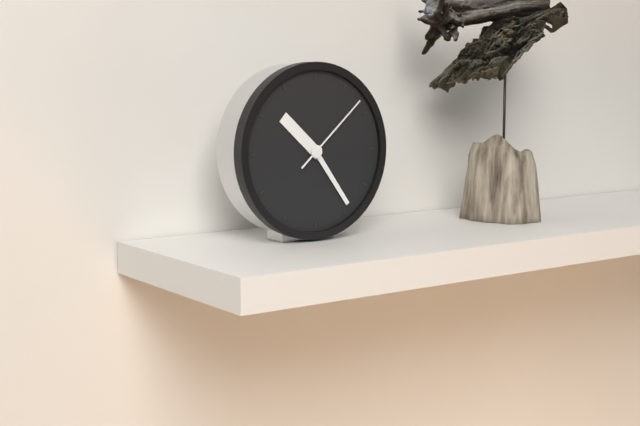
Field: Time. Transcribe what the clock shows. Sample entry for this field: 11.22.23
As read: 10.24.08
